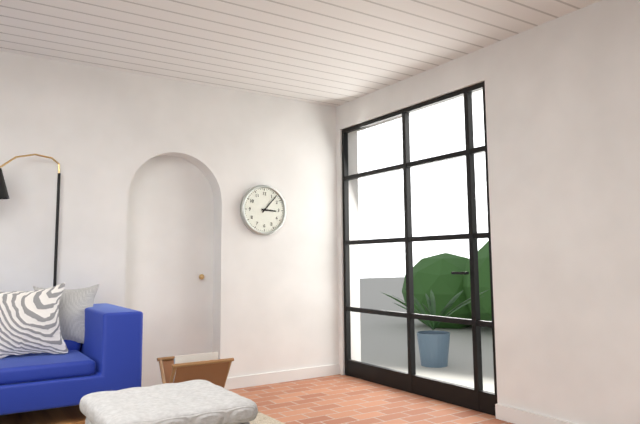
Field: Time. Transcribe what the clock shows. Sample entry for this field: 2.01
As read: 3.07
